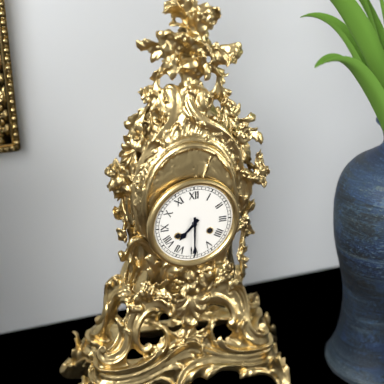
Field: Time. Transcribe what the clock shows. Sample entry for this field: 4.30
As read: 7.30
